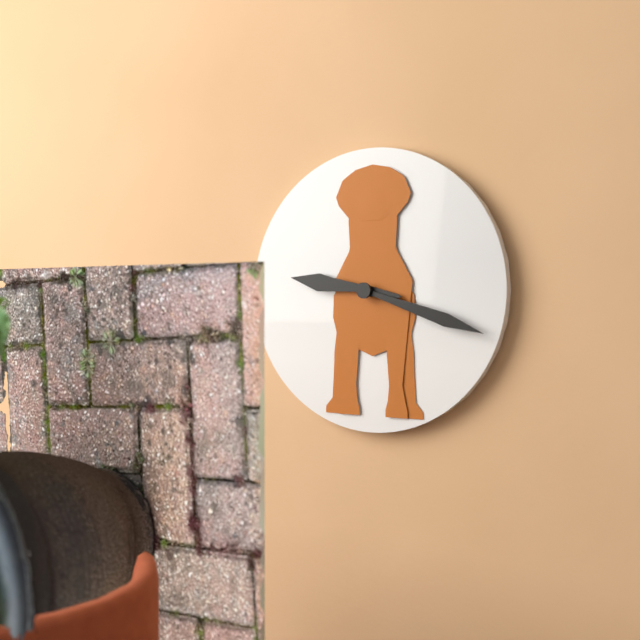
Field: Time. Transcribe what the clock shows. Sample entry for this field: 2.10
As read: 9.18
